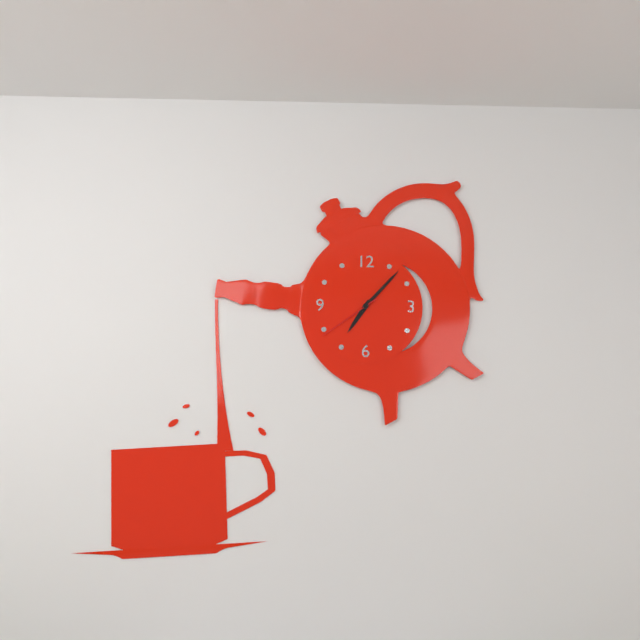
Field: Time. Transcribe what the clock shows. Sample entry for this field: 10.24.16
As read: 7.07.39
